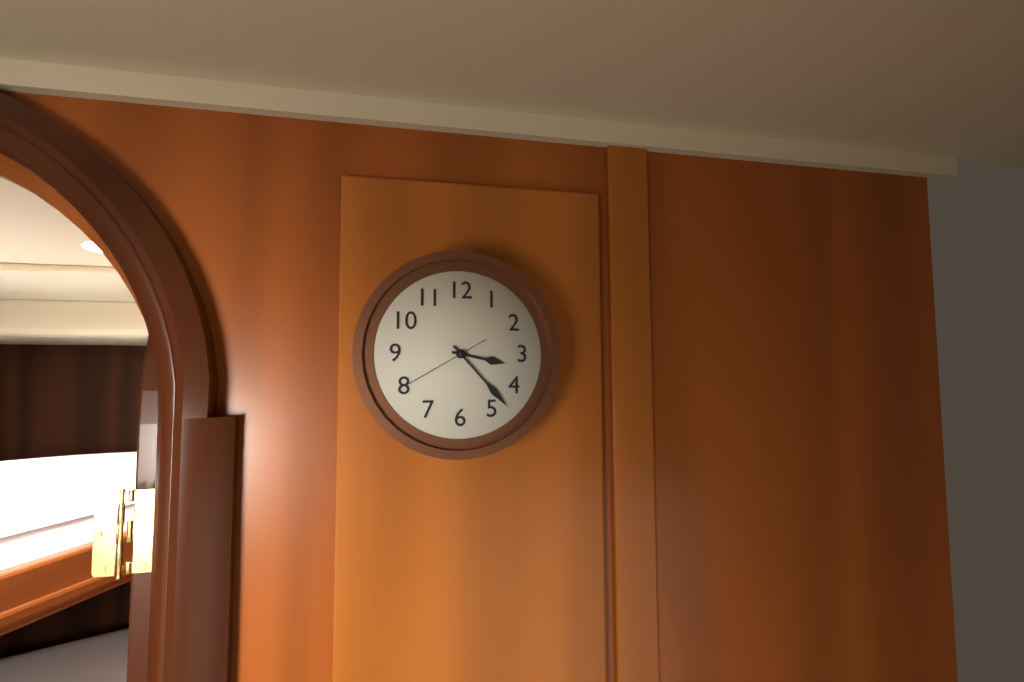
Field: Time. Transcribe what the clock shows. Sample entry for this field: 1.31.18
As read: 3.23.40
